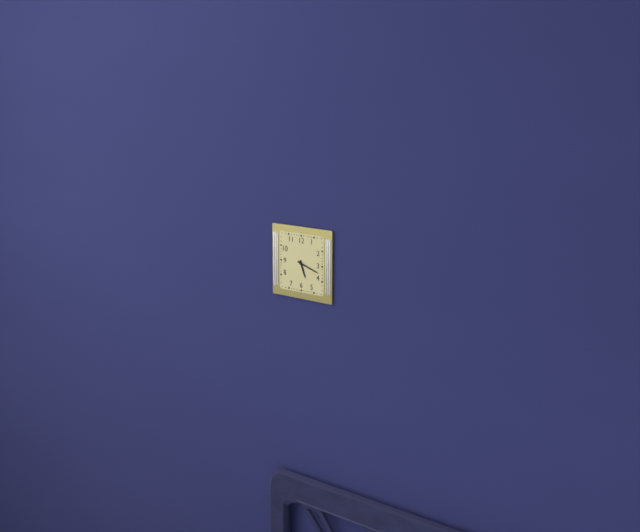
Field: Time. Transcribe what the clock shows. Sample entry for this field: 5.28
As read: 5.18
